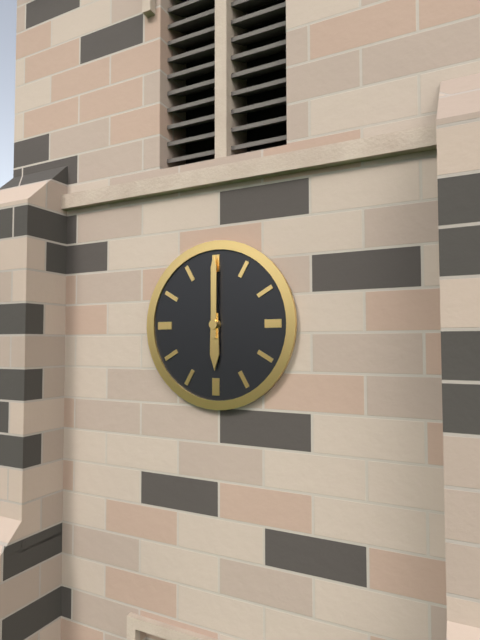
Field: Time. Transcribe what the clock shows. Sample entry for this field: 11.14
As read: 6.00
